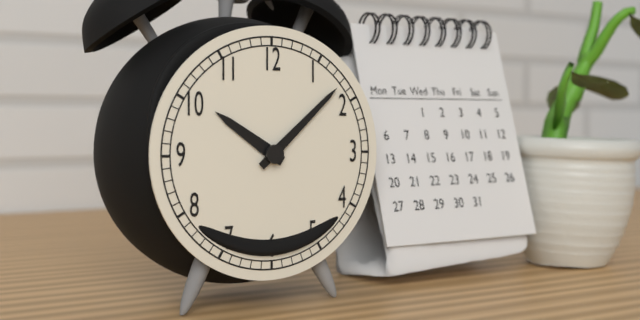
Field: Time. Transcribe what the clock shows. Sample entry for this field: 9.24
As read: 10.08
